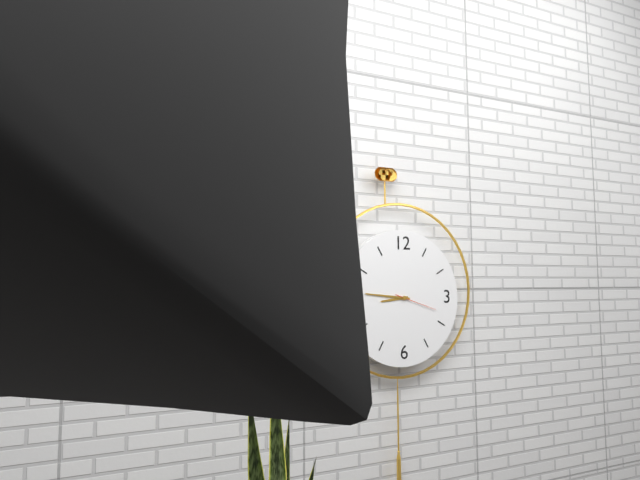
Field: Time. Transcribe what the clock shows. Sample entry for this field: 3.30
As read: 8.46
